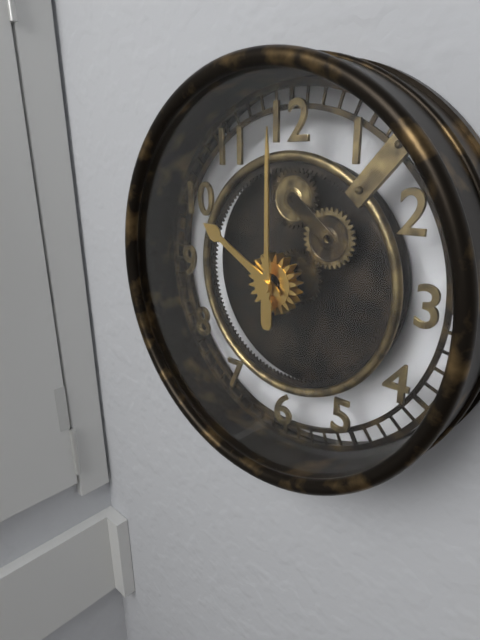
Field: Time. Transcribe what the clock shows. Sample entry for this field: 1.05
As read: 10.00
